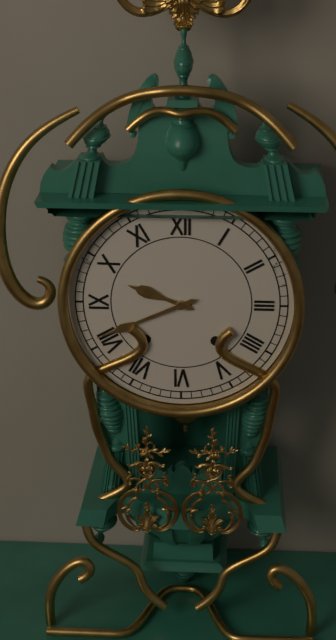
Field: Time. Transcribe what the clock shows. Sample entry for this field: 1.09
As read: 9.41
